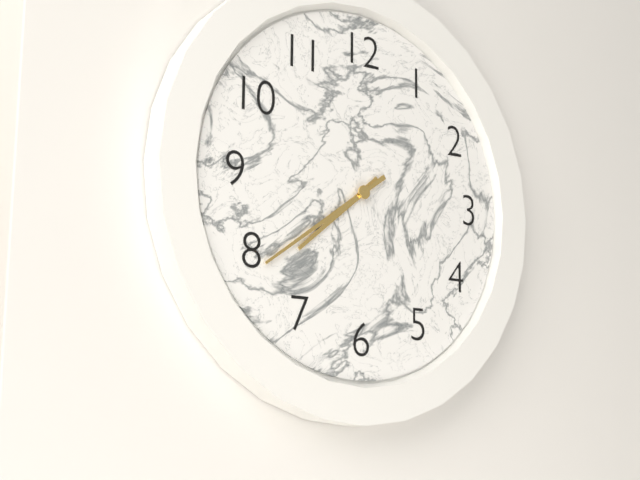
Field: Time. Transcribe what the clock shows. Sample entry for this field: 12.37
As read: 7.39
